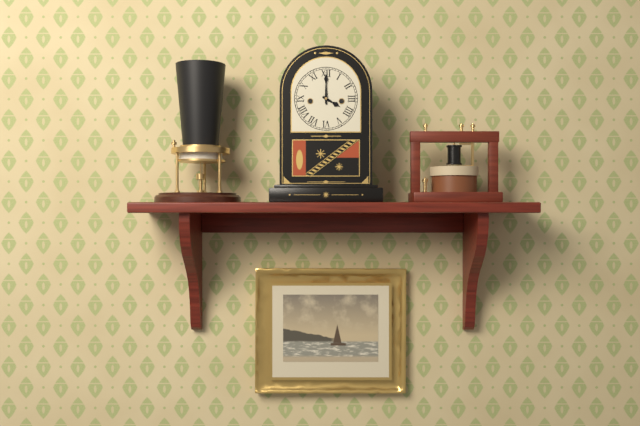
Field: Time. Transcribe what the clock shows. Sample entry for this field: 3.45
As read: 4.00
